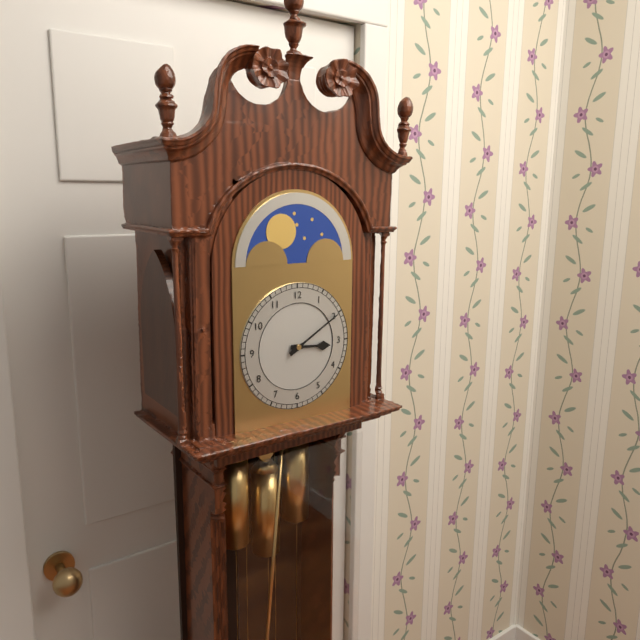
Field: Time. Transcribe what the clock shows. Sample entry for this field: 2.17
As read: 3.10
